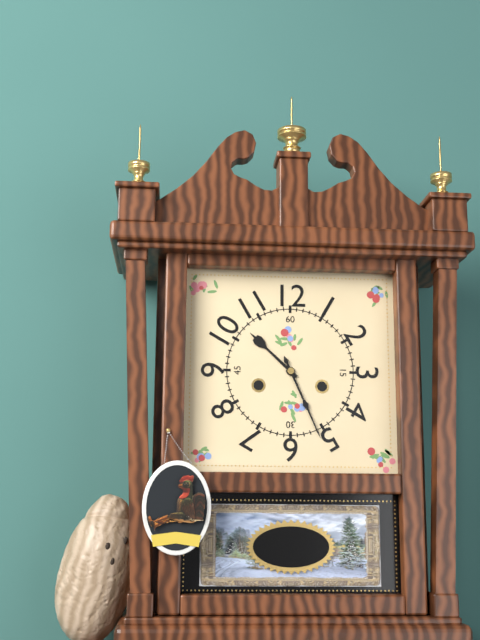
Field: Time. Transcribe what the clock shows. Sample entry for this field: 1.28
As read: 10.26
